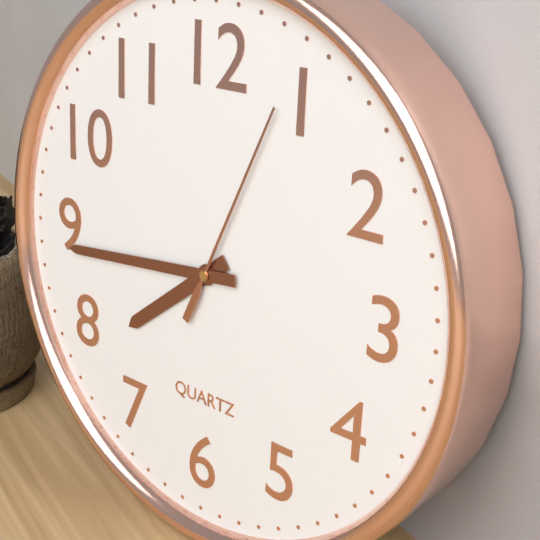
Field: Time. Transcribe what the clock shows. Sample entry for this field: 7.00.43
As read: 7.44.04
